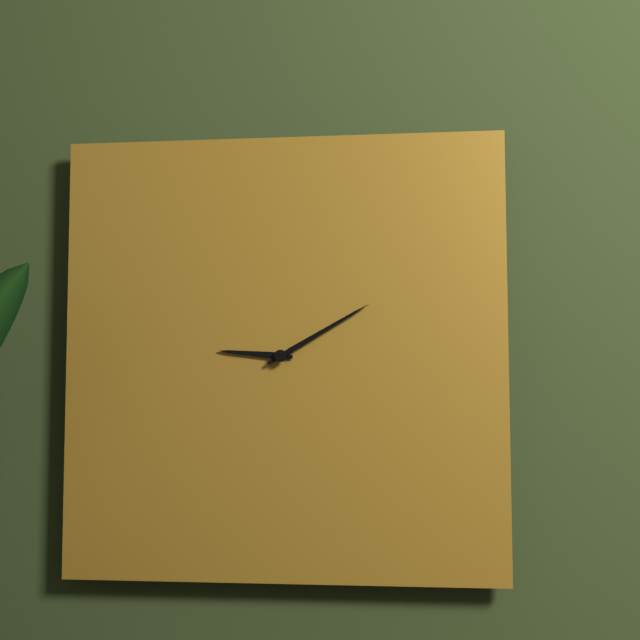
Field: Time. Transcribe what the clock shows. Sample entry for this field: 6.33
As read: 9.10
